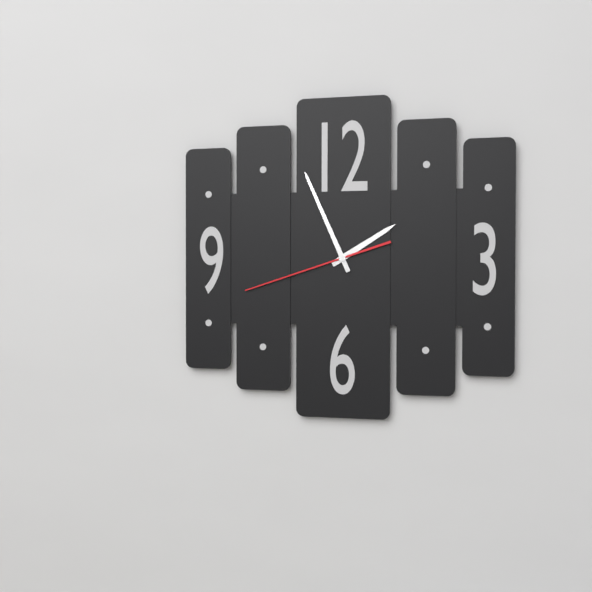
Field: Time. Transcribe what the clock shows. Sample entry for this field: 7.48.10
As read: 1.56.42
